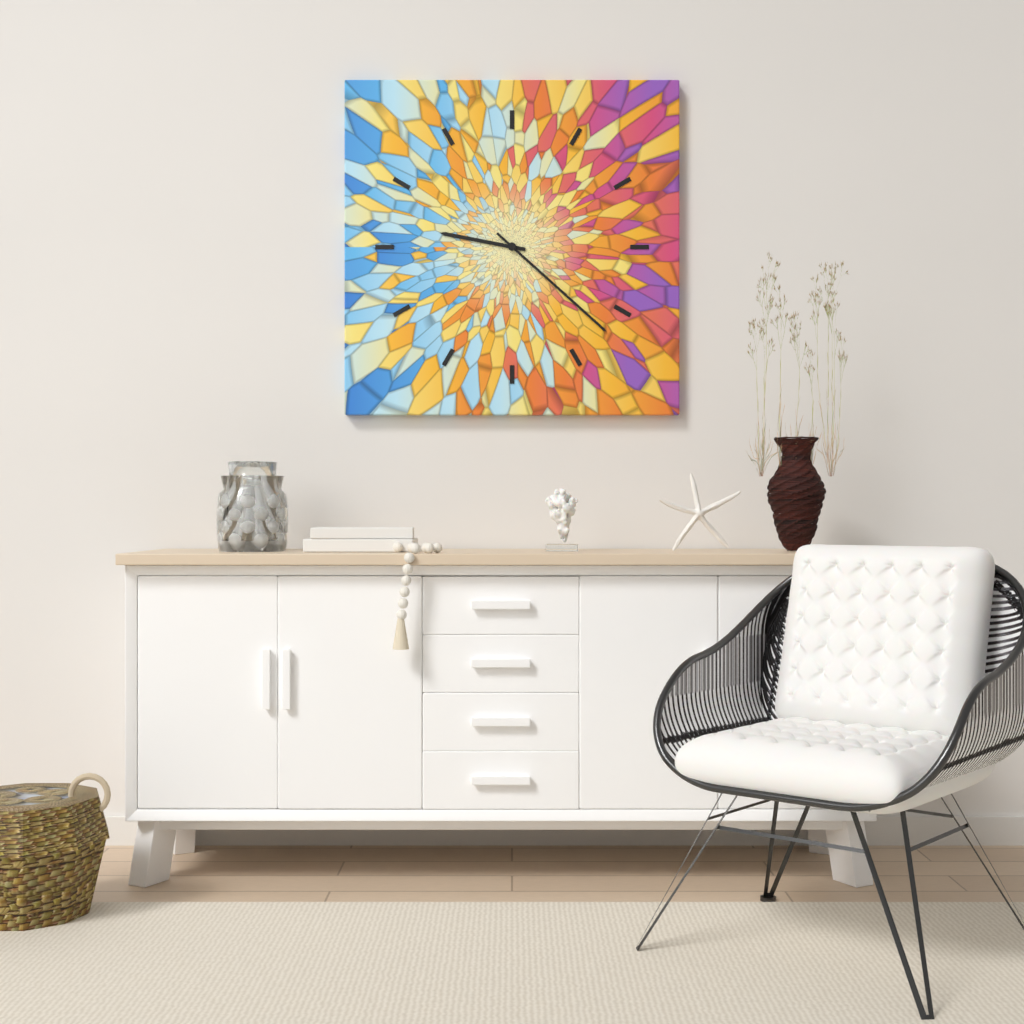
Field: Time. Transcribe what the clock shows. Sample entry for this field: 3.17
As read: 9.22
